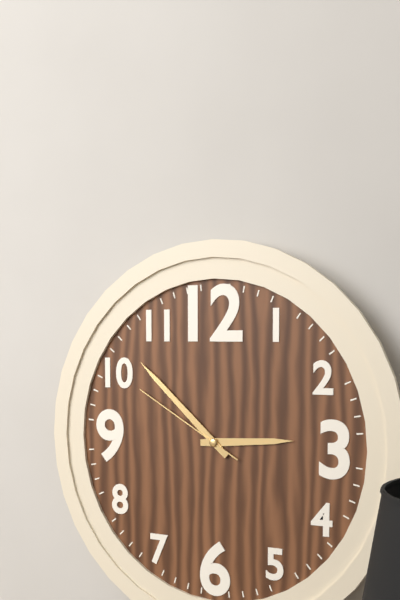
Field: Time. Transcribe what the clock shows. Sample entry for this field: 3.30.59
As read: 2.52.50
